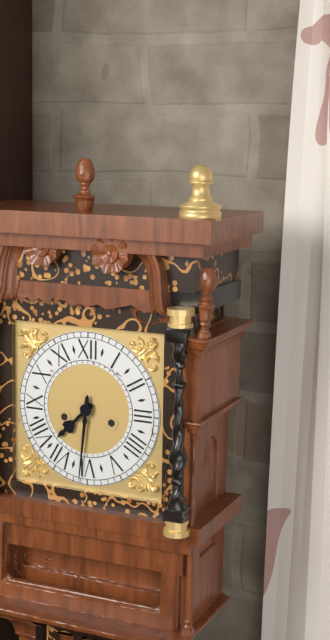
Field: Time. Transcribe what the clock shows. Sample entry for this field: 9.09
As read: 7.31
